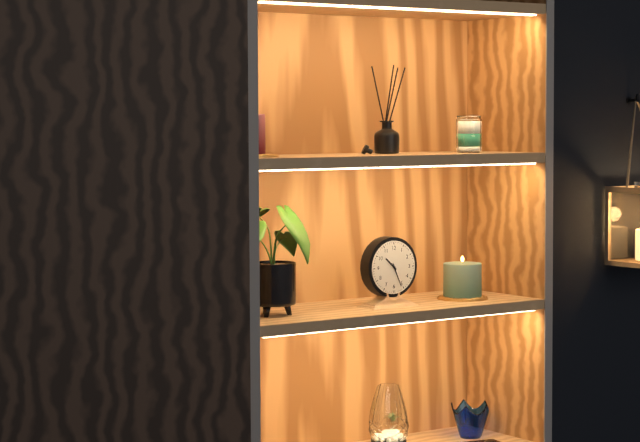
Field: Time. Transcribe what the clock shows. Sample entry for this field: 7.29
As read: 10.26
